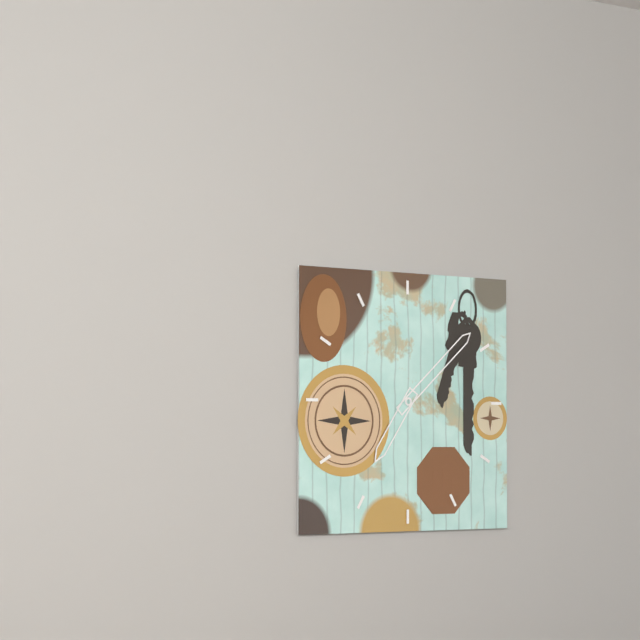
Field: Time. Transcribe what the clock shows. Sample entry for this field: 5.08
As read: 7.08
